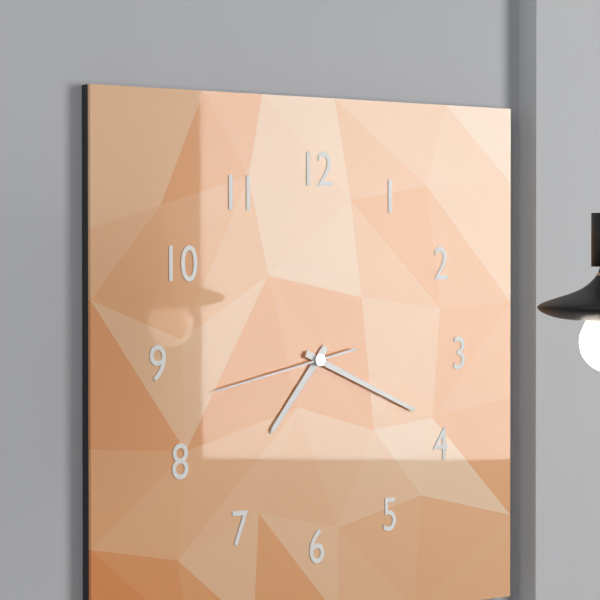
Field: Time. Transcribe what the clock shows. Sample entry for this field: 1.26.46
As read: 7.19.43
